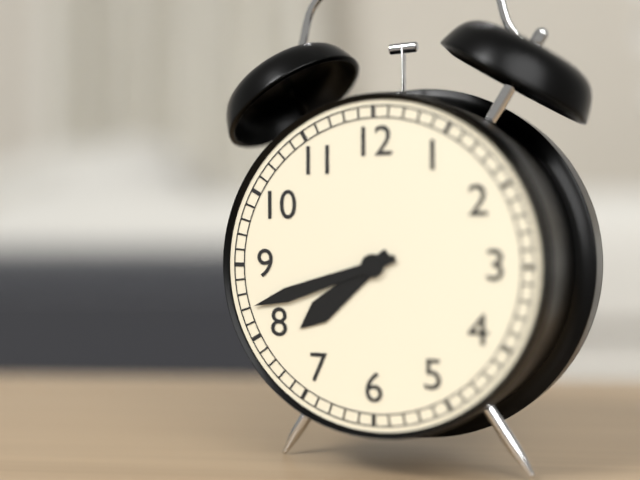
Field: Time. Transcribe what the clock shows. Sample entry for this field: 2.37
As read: 7.42
